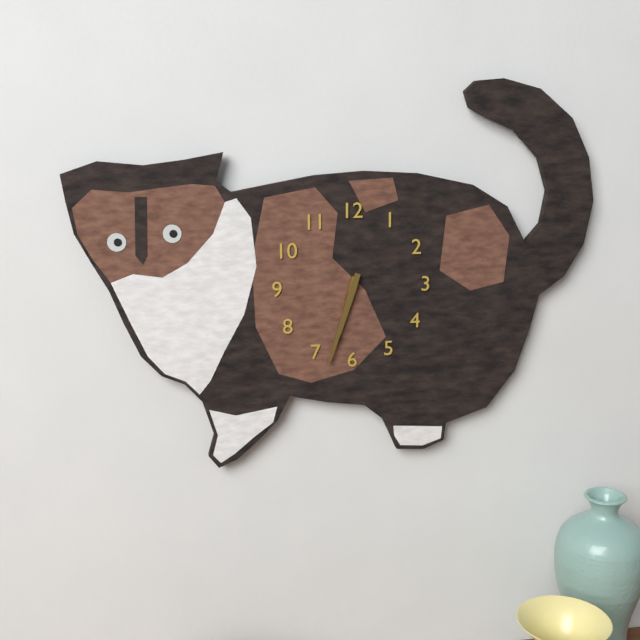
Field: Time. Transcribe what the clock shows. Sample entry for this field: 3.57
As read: 6.33
